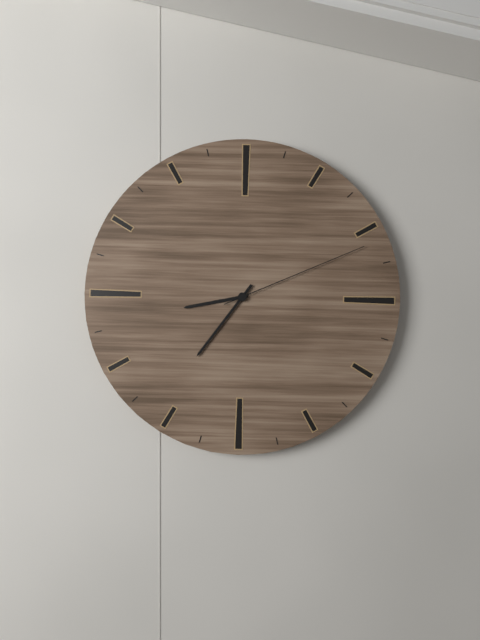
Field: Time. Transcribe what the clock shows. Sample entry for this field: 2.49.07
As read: 8.36.11
